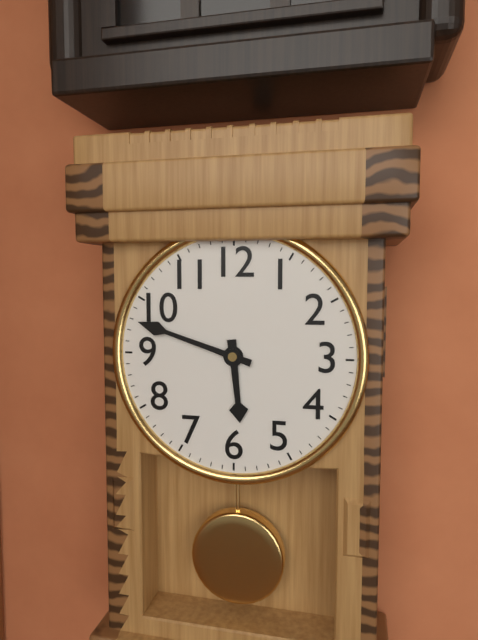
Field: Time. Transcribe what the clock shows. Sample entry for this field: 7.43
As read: 5.48
